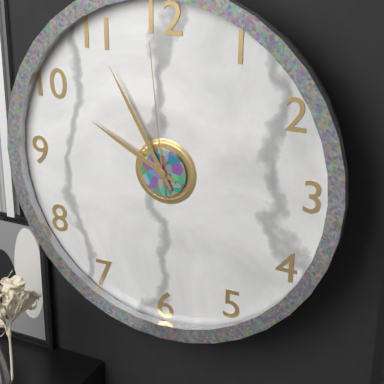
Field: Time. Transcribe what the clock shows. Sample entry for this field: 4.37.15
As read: 9.55.59
